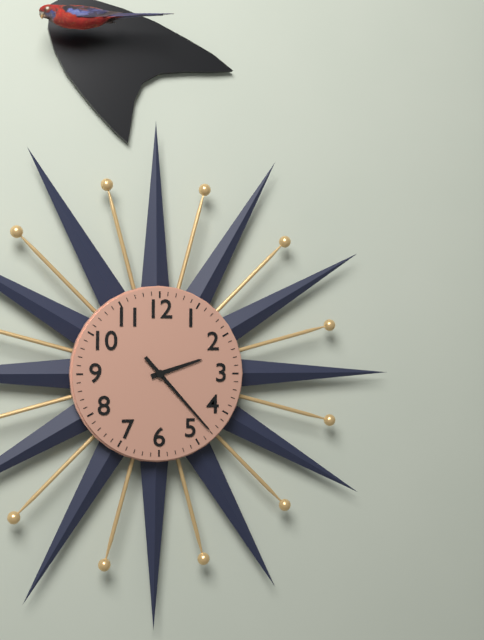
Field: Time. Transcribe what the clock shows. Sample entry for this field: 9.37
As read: 2.23
